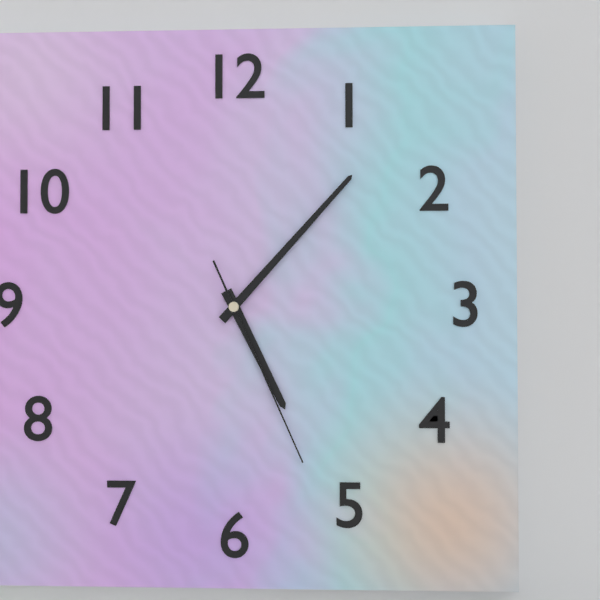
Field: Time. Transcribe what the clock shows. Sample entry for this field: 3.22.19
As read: 5.07.26
